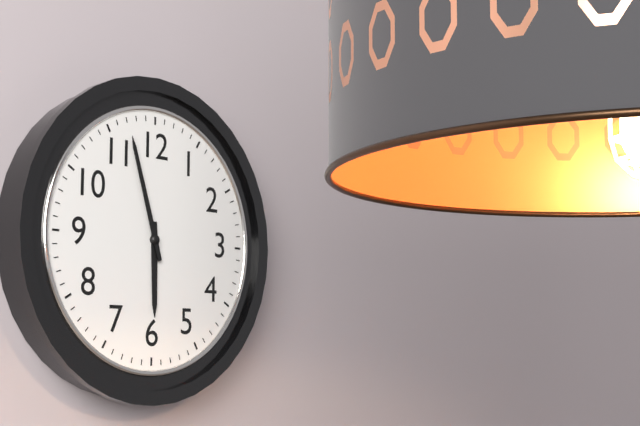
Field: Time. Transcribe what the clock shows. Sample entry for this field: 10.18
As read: 5.57
